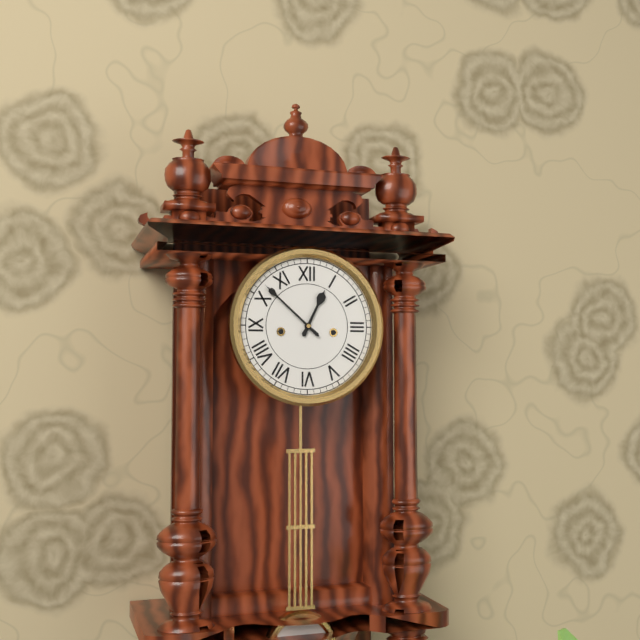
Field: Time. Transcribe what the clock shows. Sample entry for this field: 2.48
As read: 12.52
